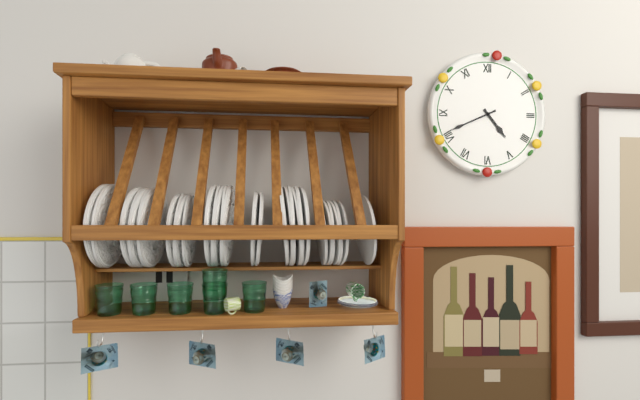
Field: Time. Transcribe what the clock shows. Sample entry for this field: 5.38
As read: 4.41
